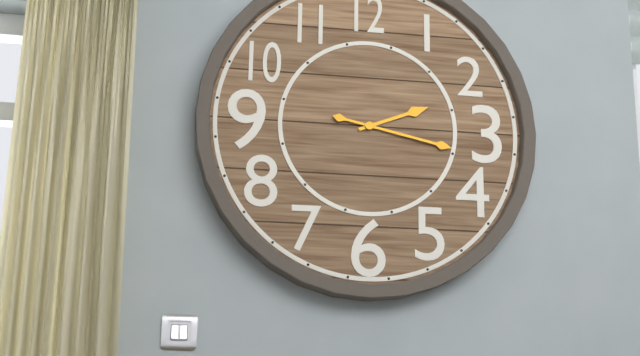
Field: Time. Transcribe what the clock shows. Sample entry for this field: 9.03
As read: 2.17
